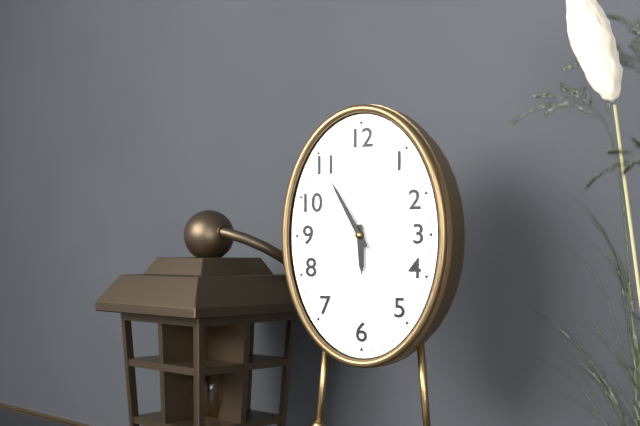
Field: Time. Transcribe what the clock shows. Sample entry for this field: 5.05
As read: 5.55
